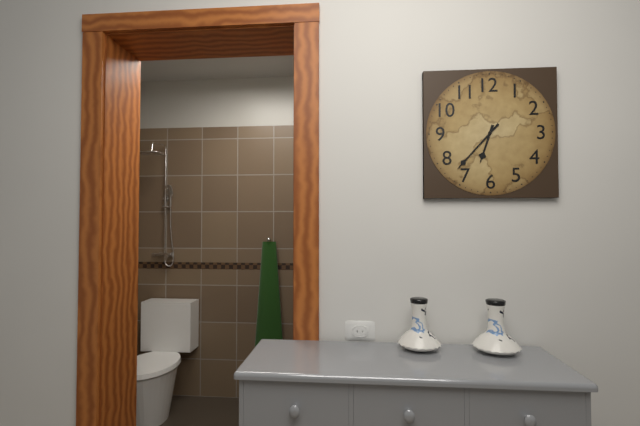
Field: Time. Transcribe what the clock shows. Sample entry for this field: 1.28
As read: 6.37
